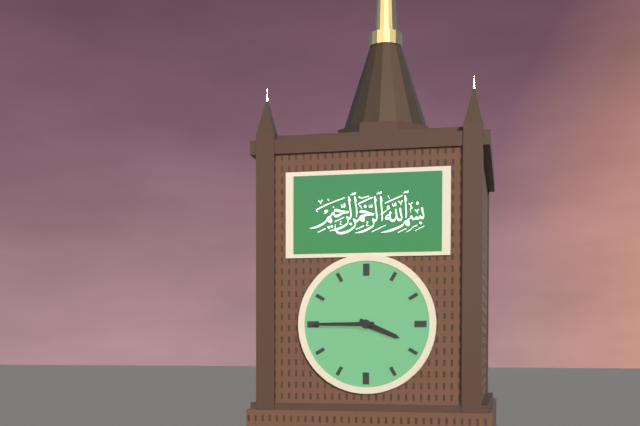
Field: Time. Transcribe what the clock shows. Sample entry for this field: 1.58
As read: 3.45
